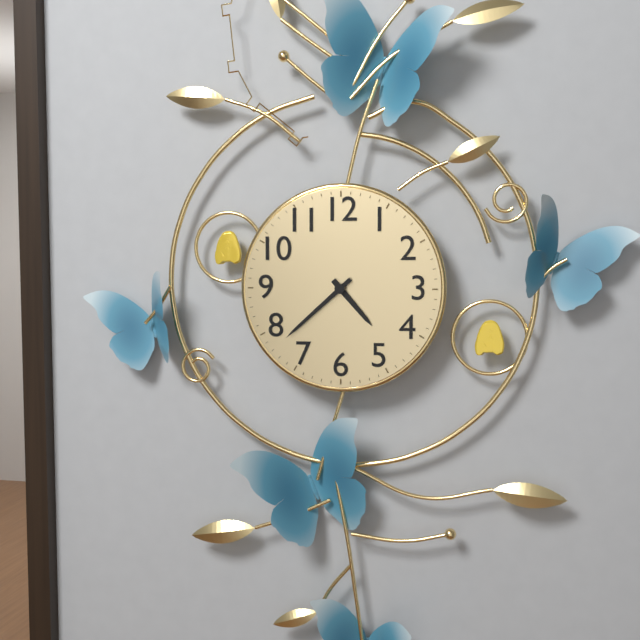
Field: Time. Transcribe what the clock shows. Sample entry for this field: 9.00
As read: 4.38
